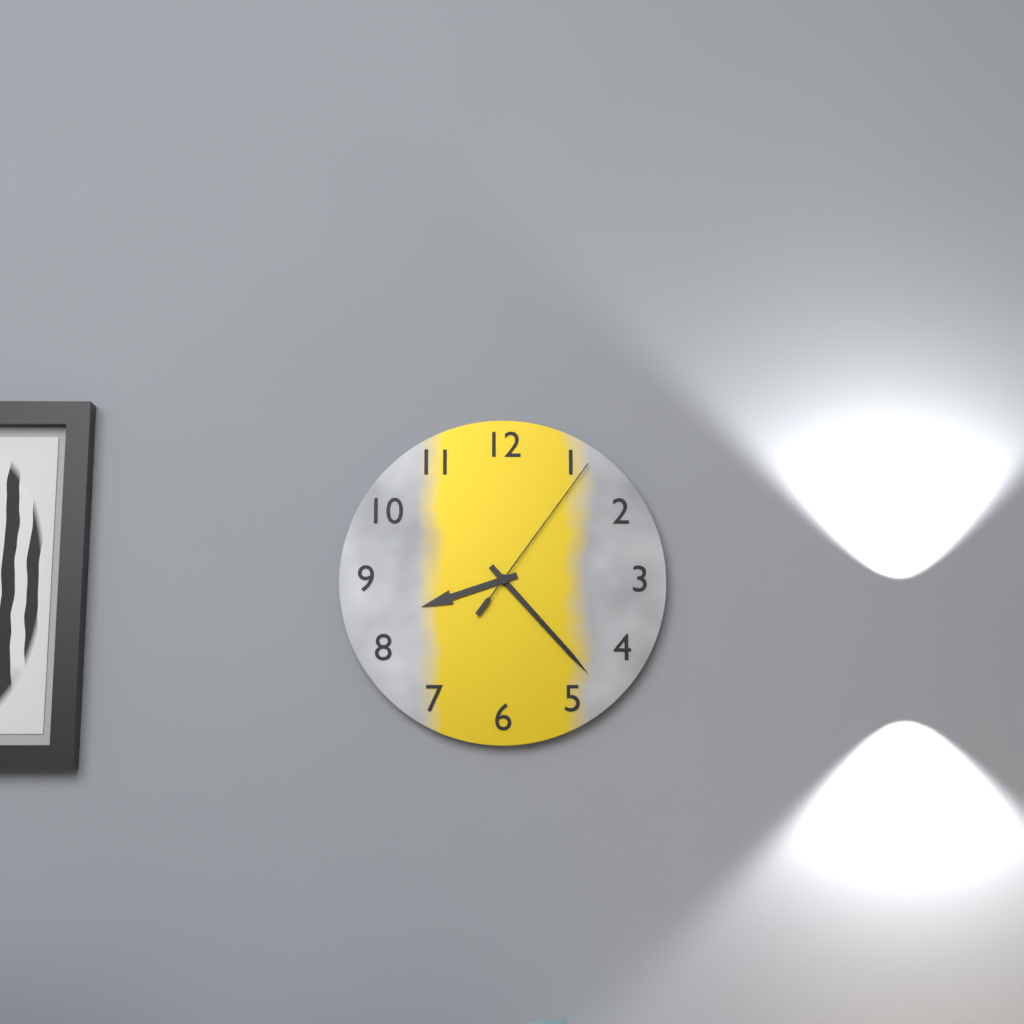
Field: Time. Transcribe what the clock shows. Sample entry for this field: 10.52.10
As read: 8.23.06
